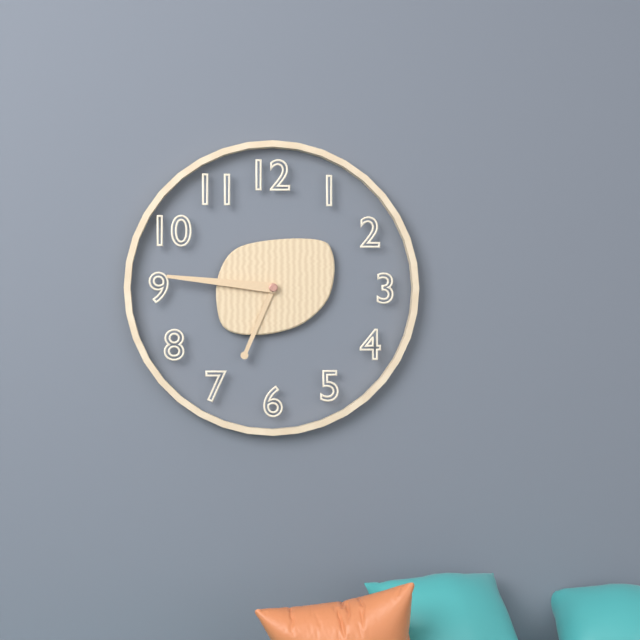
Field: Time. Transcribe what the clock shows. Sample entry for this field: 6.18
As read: 6.46
